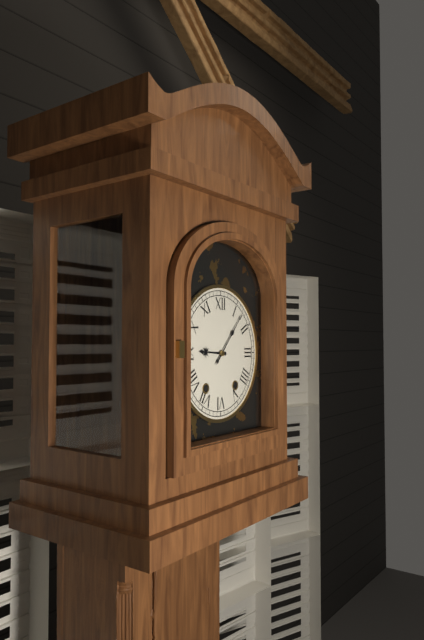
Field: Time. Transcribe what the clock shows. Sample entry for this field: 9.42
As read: 9.07
